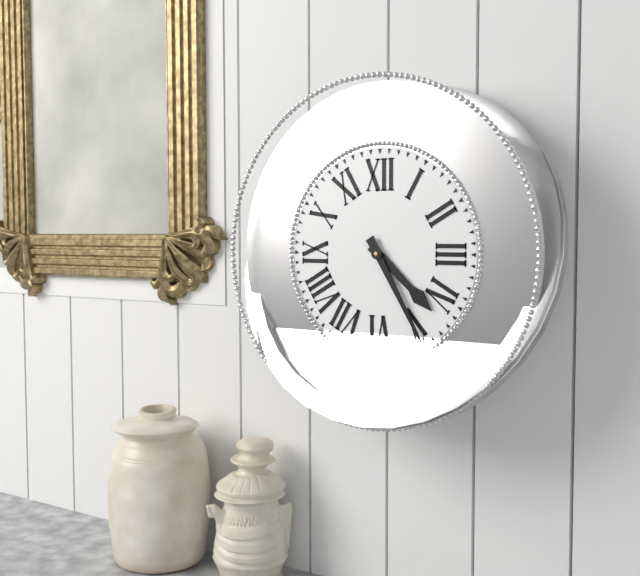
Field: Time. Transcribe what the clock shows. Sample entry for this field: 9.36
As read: 4.25
